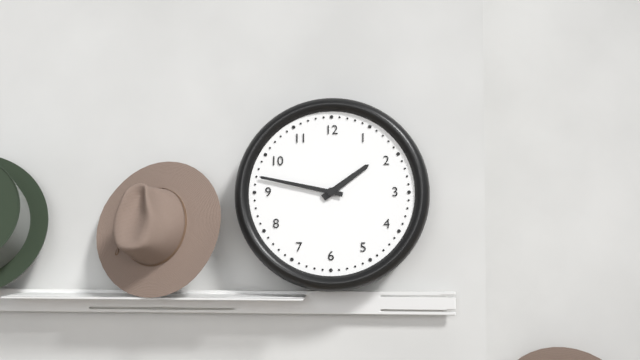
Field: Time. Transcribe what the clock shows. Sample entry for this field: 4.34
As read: 1.47
